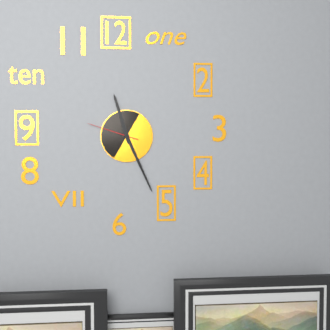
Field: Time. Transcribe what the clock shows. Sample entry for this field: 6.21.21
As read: 11.26.48
